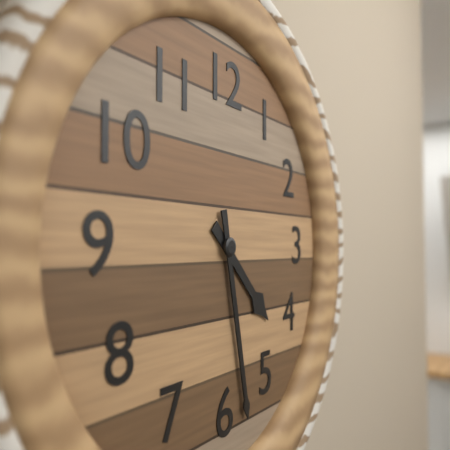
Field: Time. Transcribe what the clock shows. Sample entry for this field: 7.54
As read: 4.28
